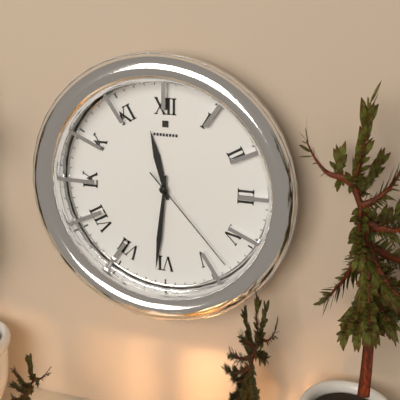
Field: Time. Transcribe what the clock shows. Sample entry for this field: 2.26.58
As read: 11.31.23
